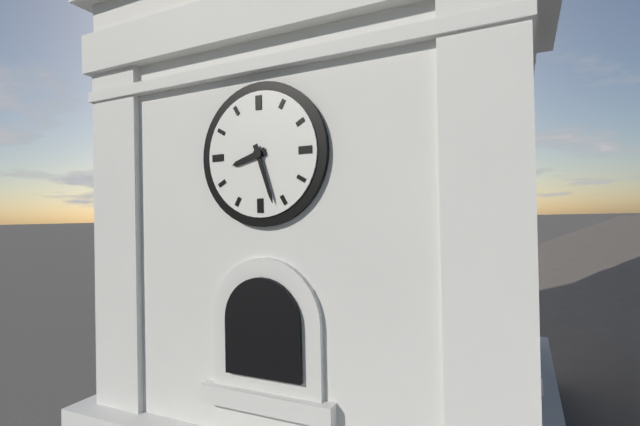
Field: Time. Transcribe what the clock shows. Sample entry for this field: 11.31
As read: 8.27
